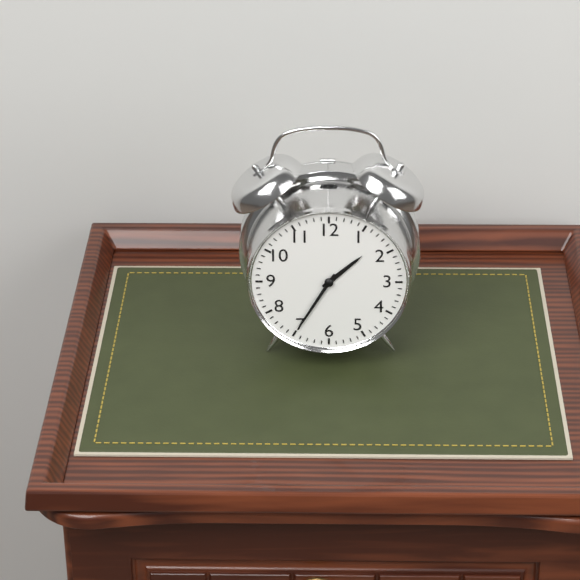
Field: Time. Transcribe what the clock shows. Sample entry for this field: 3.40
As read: 1.35
